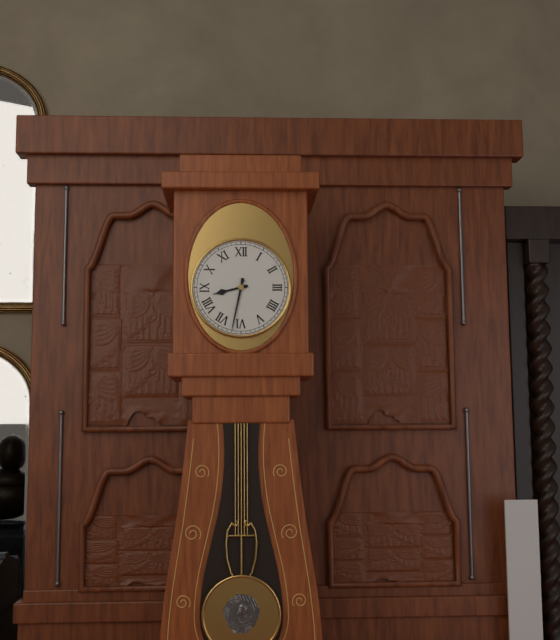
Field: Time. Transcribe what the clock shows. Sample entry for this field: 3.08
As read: 8.32
